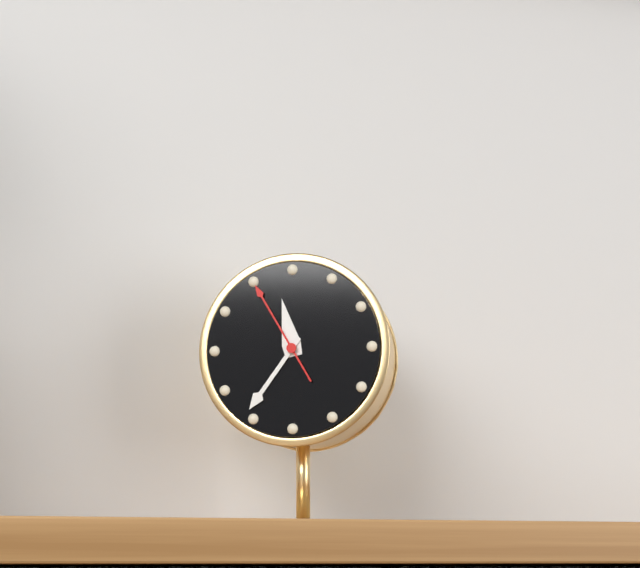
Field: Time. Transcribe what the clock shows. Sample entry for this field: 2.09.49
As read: 11.36.55
